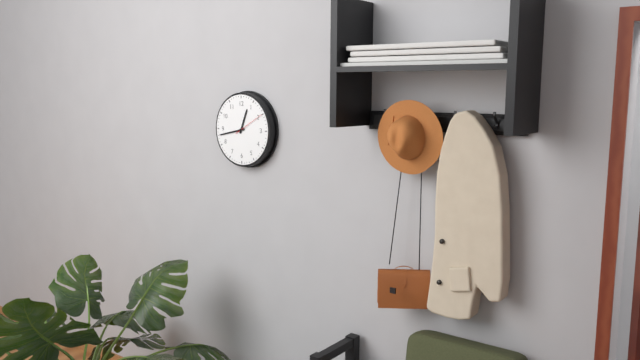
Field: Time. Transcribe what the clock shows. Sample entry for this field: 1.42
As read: 12.43
